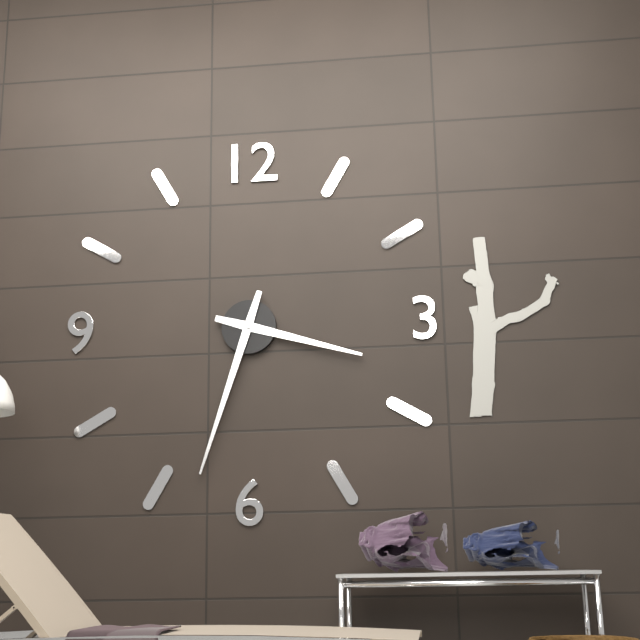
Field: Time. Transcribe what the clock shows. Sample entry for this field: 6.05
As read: 3.33
